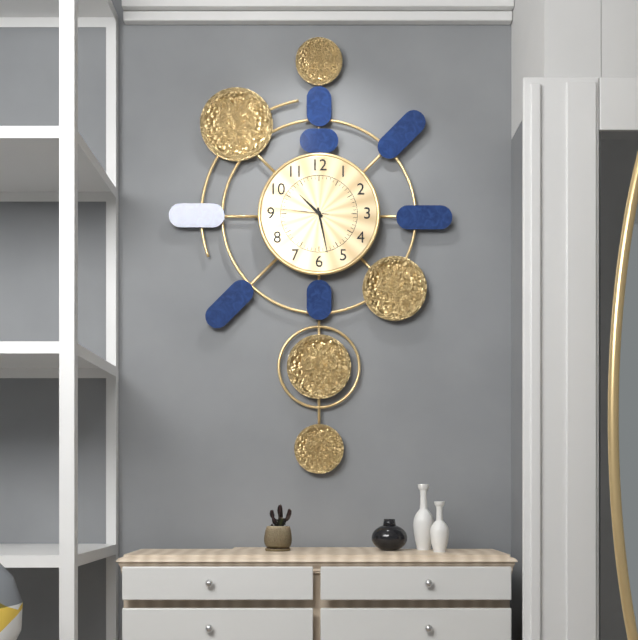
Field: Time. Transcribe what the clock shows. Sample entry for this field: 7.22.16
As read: 10.28.46
